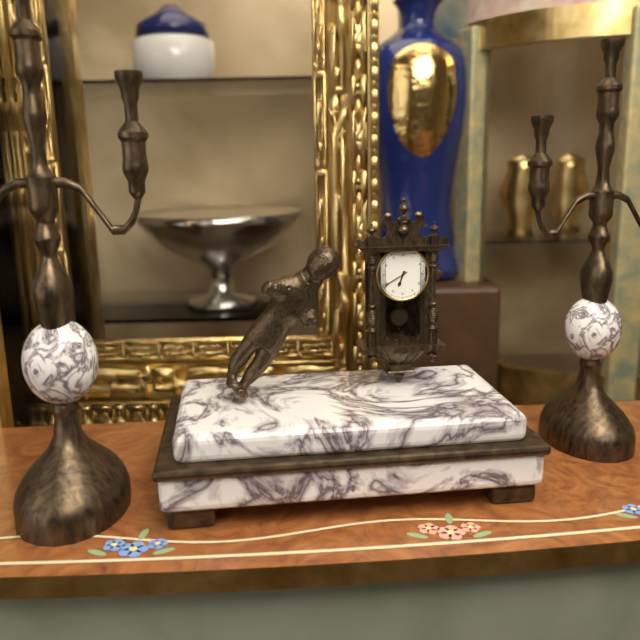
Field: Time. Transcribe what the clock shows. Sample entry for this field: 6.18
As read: 6.40
